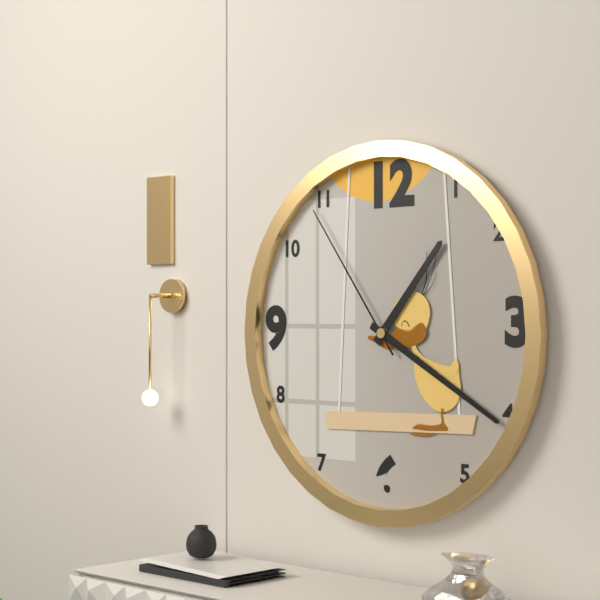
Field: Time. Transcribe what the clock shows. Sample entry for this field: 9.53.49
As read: 1.20.54
